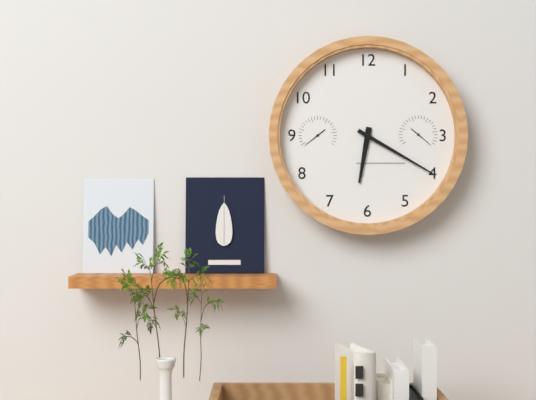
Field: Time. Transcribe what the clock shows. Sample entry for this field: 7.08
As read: 6.20
